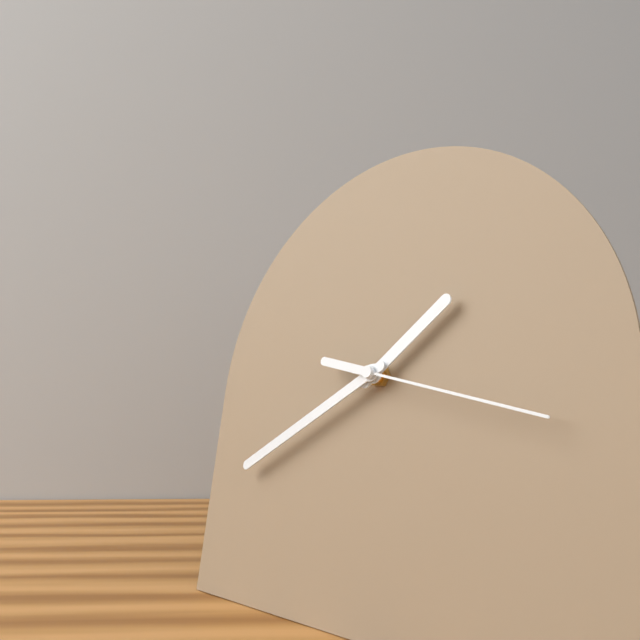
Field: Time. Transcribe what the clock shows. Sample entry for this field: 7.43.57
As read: 1.40.17
